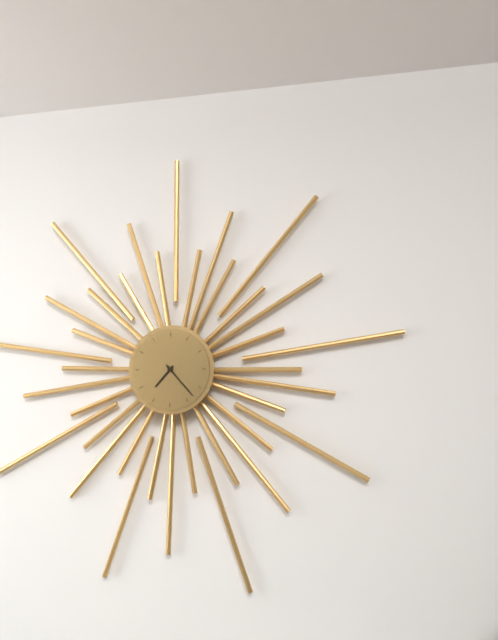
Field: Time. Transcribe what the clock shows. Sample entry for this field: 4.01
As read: 7.23
